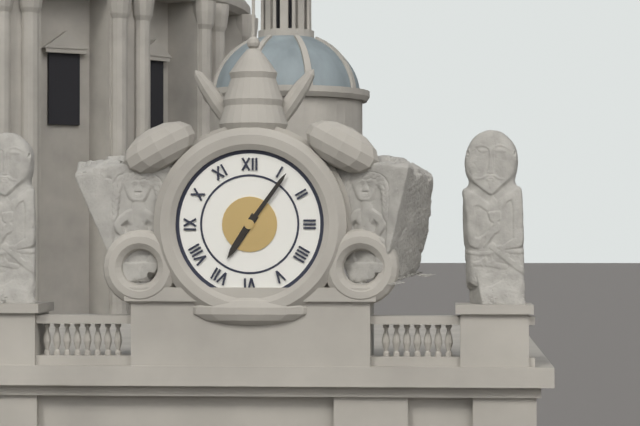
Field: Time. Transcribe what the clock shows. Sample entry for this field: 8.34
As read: 7.06
